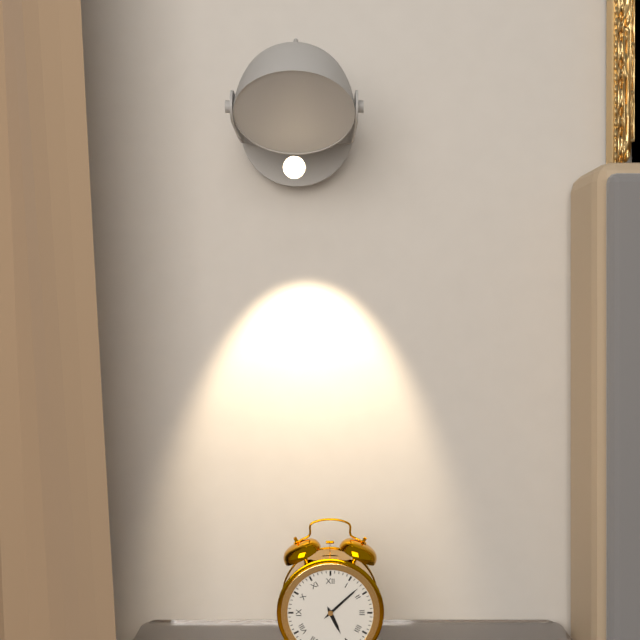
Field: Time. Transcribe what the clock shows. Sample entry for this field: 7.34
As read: 5.08
